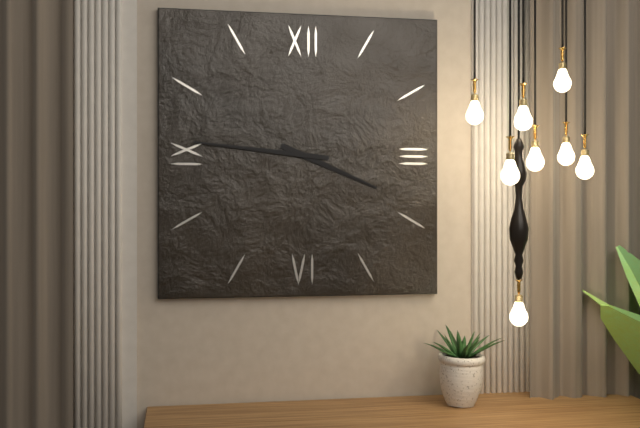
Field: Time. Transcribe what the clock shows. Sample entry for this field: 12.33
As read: 3.46
